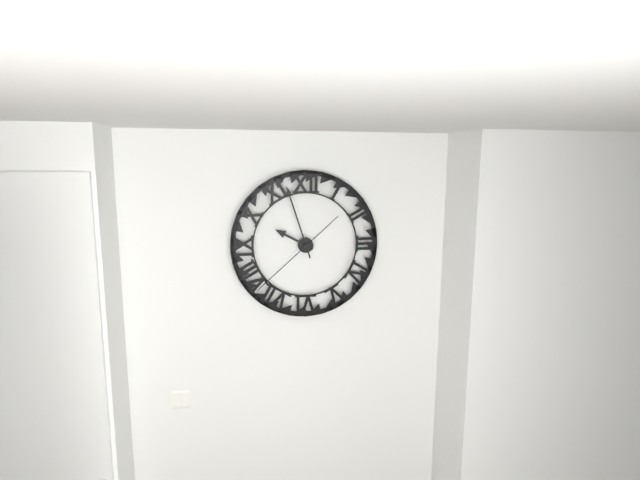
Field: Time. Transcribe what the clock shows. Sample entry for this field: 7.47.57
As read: 9.57.38
